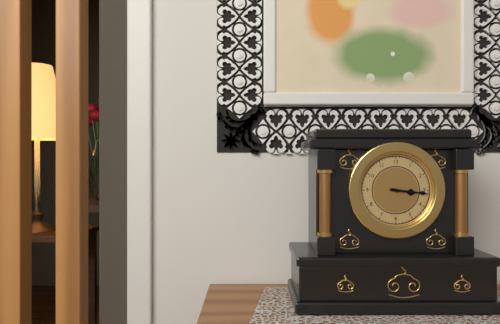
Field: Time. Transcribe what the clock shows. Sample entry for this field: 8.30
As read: 3.16
